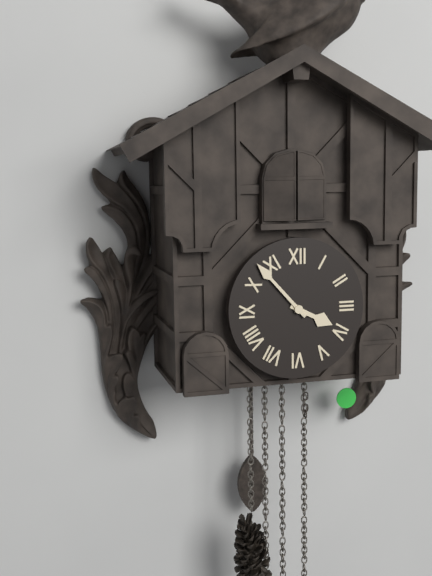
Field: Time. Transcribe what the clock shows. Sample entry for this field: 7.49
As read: 3.53
